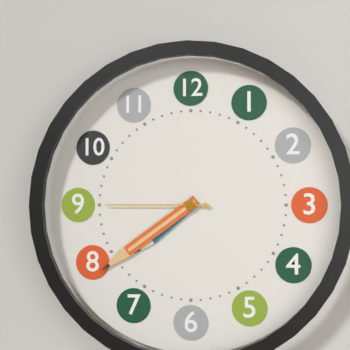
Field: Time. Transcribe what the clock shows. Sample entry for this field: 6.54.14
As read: 7.39.45
